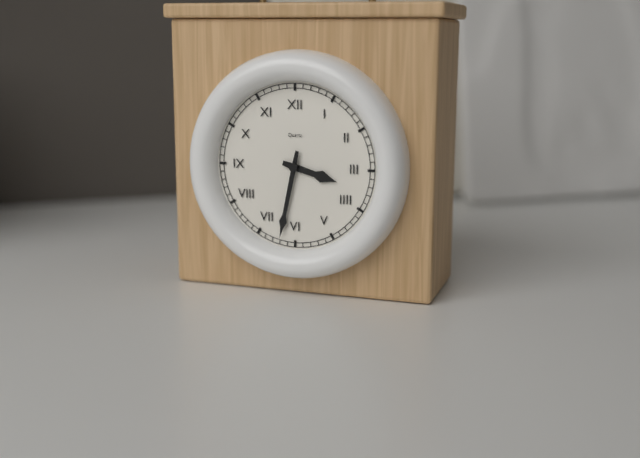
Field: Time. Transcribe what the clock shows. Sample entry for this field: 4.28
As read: 3.32
